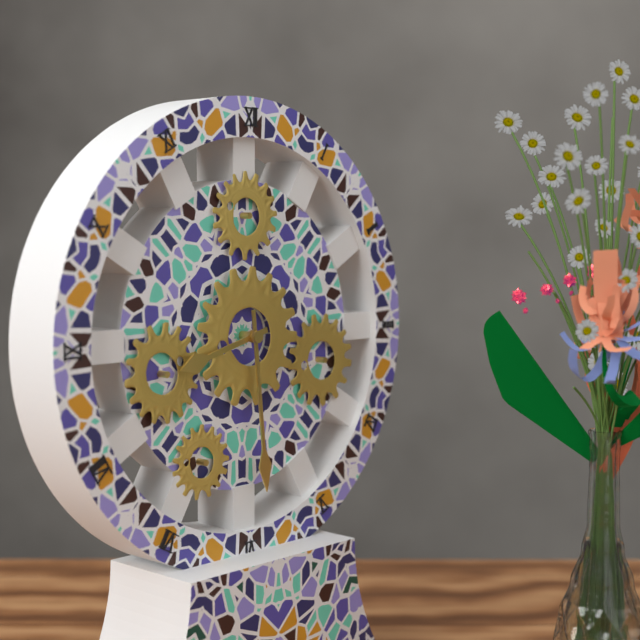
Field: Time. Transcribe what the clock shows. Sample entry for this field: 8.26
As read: 8.29
